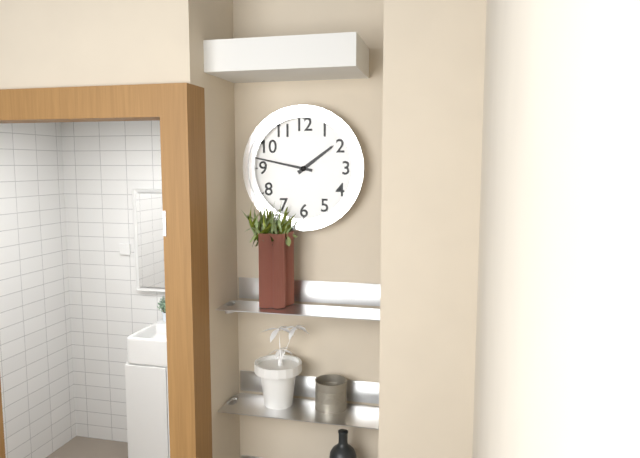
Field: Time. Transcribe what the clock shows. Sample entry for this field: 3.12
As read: 1.47
